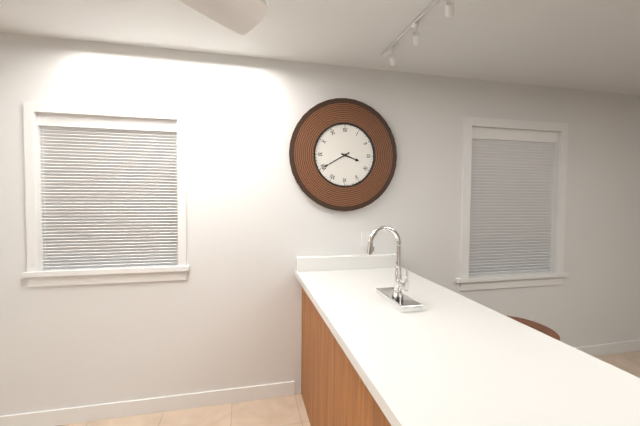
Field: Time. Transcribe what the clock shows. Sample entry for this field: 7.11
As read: 3.40
